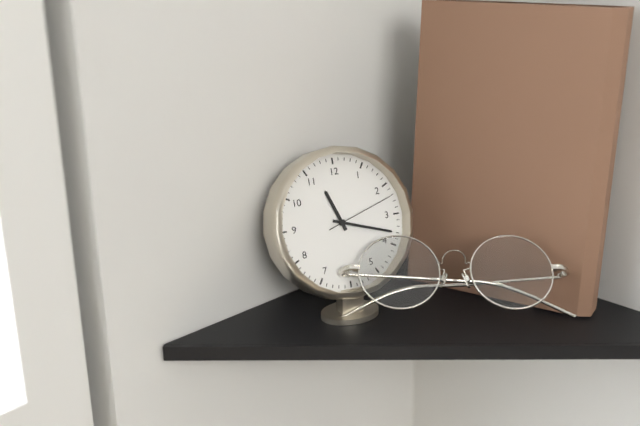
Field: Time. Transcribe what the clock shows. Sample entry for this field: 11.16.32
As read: 11.18.12
